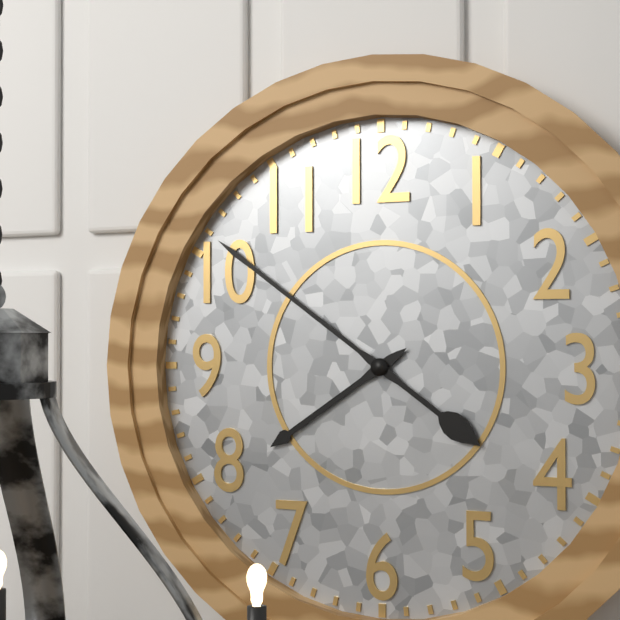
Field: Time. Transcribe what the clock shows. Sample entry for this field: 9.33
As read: 7.51
